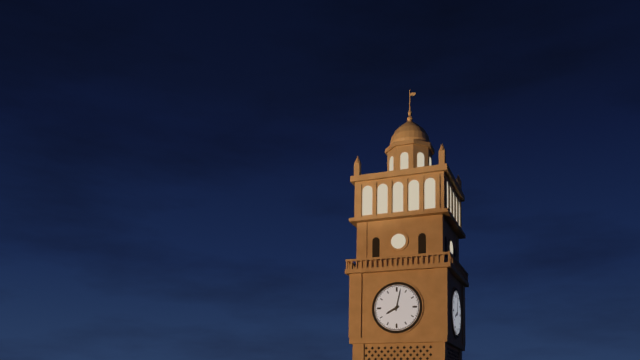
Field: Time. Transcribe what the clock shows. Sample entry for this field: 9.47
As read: 8.02
